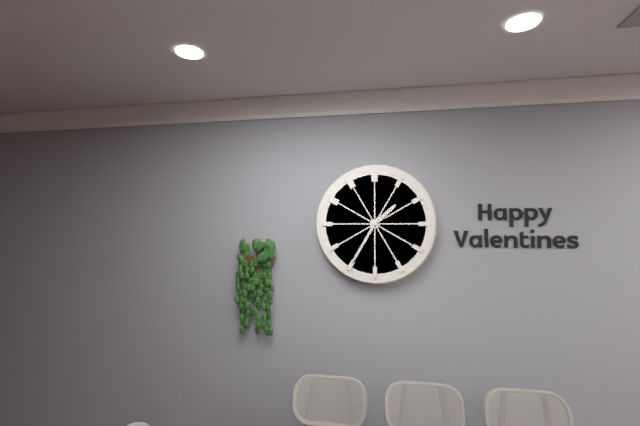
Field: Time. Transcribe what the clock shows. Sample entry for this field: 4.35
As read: 1.35
